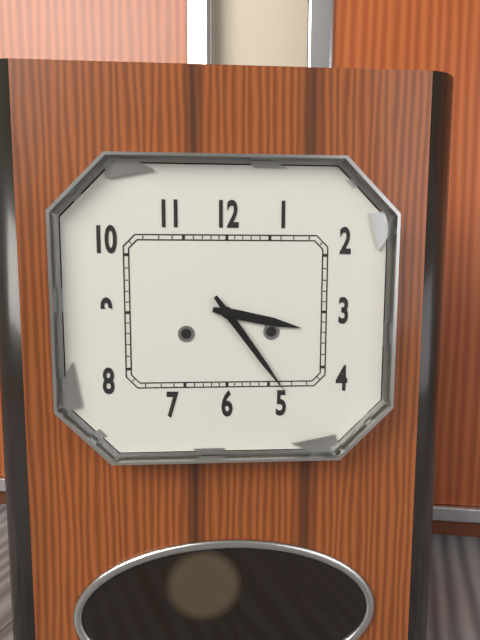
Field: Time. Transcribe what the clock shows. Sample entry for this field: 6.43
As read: 3.24
